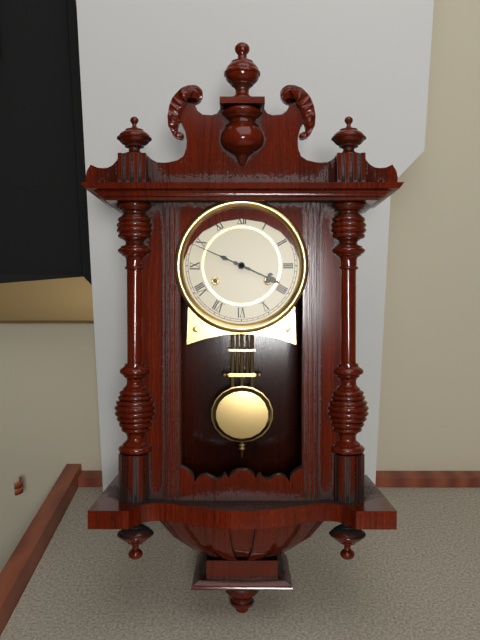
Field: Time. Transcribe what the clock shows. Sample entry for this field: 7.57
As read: 3.49
